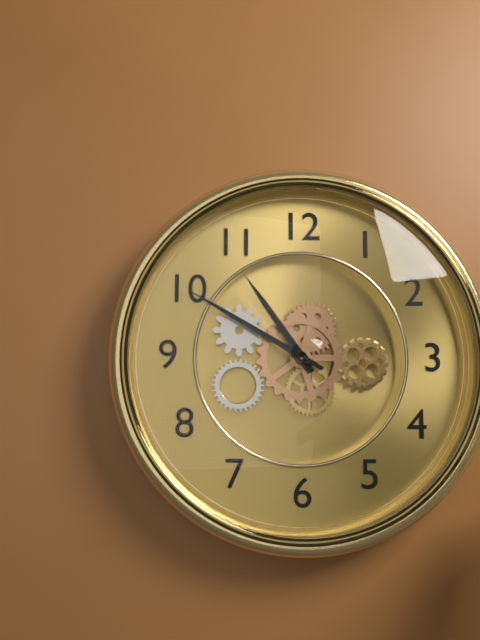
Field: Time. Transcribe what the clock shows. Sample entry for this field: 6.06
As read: 10.50
